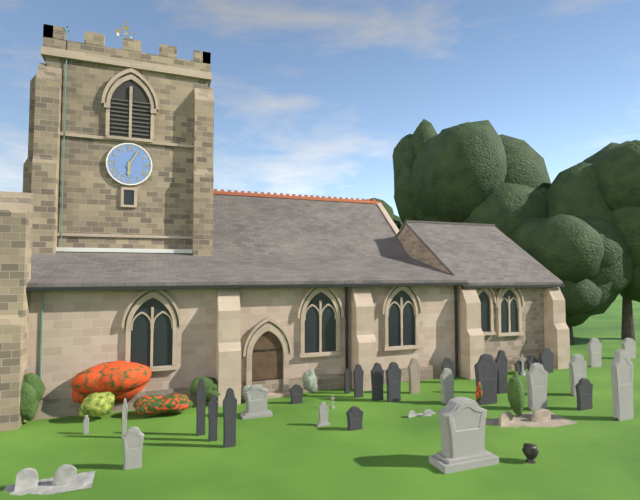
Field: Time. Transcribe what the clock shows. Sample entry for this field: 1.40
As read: 6.05
